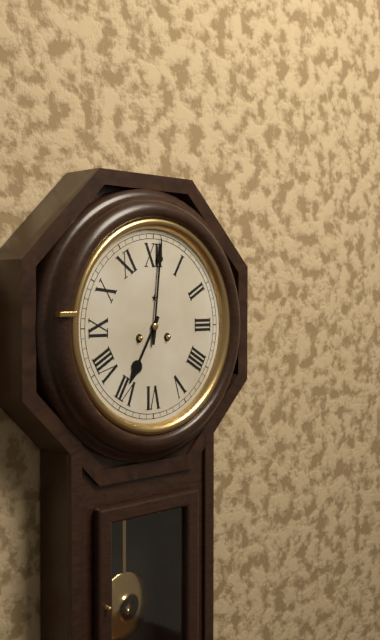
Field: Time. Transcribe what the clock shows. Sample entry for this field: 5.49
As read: 7.01
